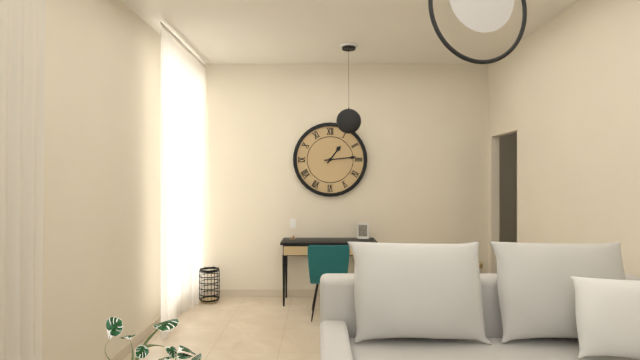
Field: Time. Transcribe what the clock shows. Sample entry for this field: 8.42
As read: 1.14
